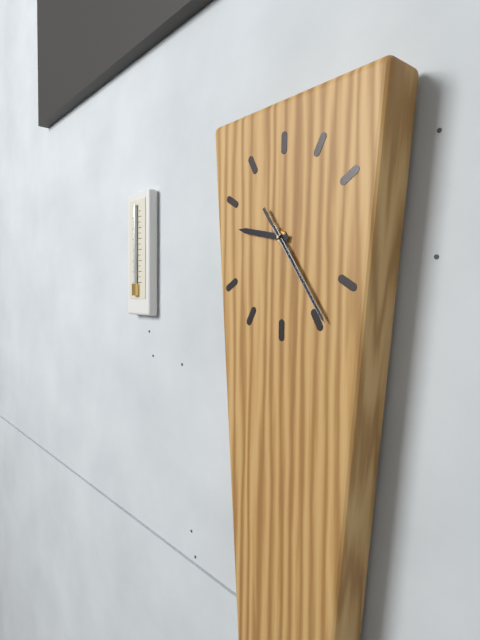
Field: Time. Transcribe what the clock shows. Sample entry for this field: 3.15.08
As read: 9.24.24
